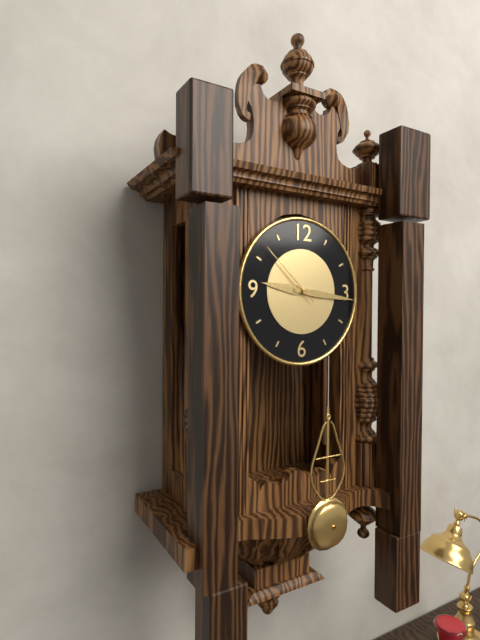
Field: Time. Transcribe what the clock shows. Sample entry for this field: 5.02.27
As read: 9.16.52
